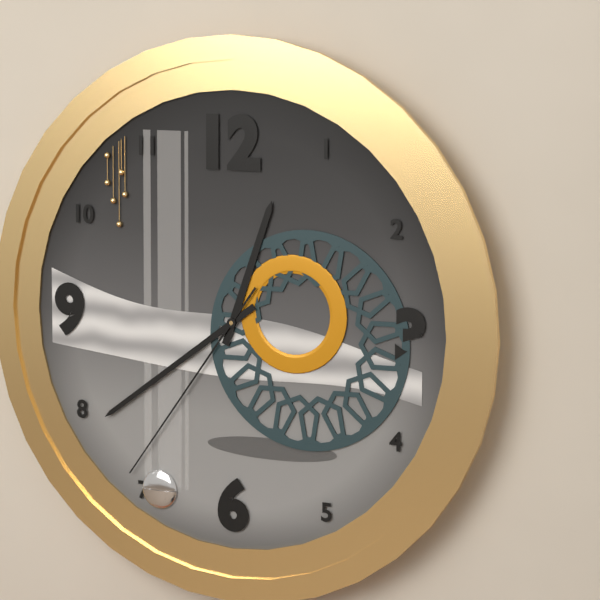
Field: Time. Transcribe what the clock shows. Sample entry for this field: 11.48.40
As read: 12.39.36
